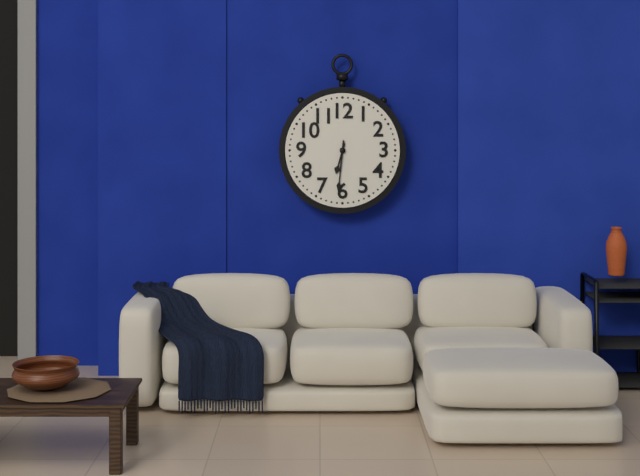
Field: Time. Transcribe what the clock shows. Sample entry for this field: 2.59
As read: 6.31
